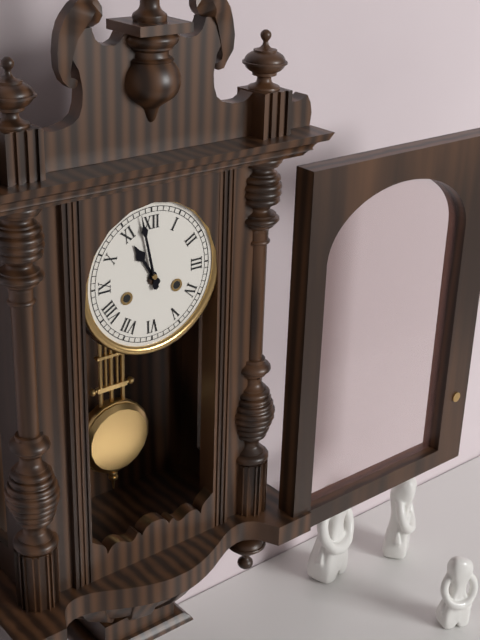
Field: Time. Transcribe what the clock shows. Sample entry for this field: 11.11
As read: 10.58
